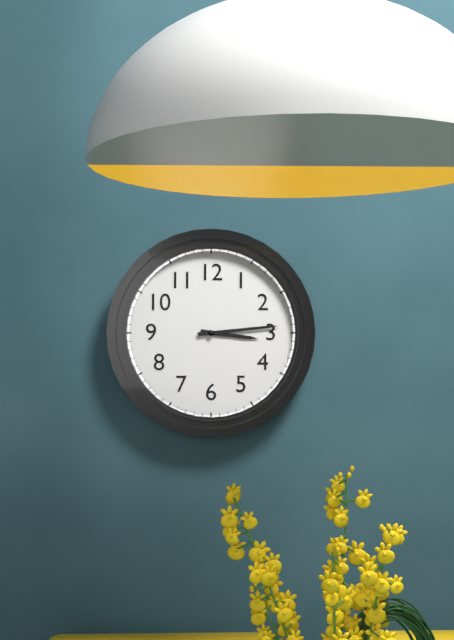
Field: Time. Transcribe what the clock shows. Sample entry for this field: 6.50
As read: 3.14
